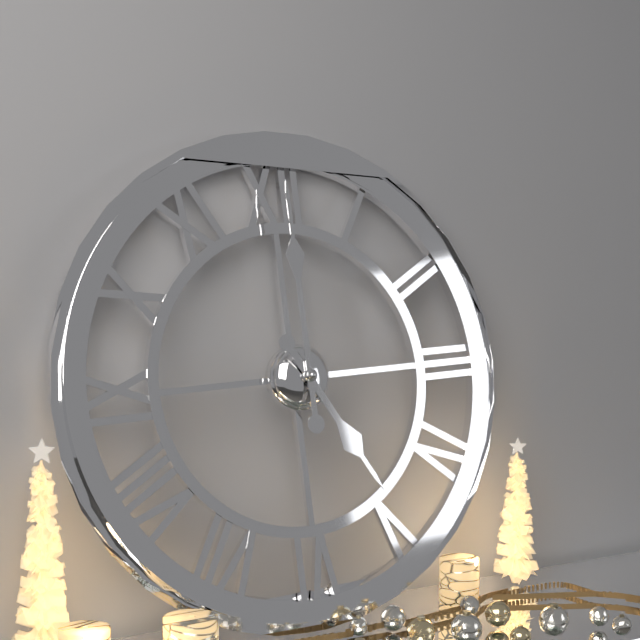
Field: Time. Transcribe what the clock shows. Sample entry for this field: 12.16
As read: 5.00
